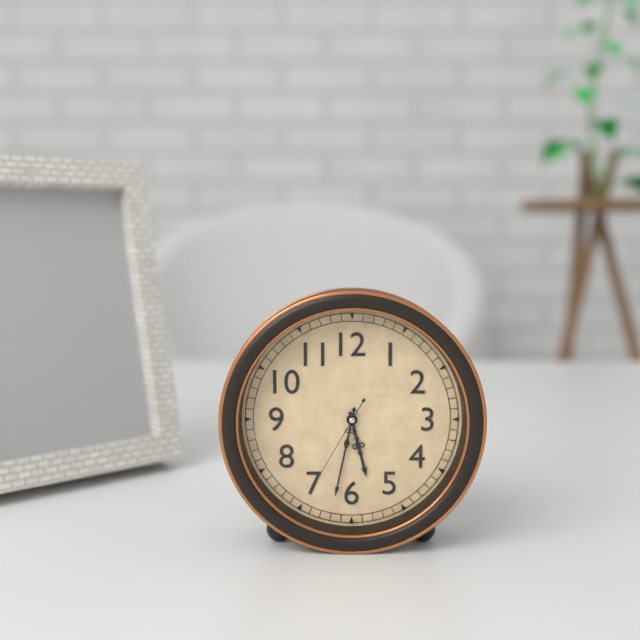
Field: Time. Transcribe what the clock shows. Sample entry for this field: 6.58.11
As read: 5.32.35
